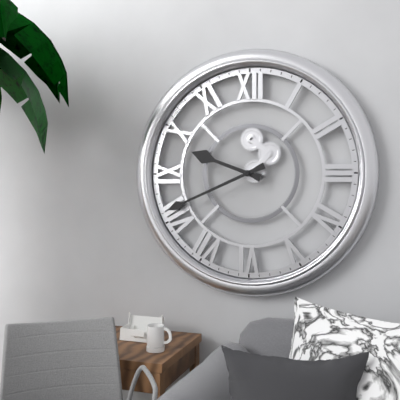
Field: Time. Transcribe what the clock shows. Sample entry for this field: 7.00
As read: 9.41
